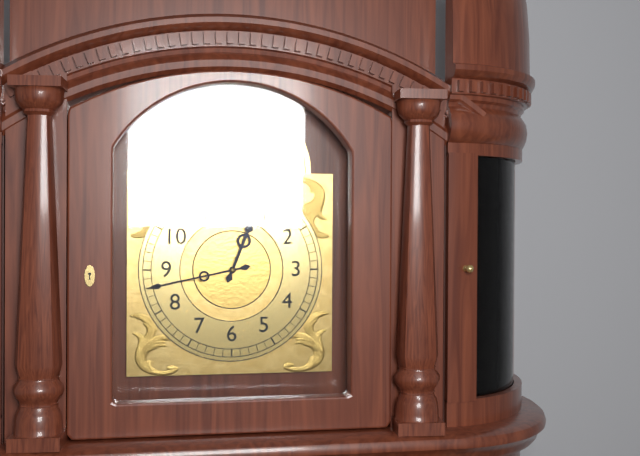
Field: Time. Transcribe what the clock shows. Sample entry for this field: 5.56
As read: 12.43
